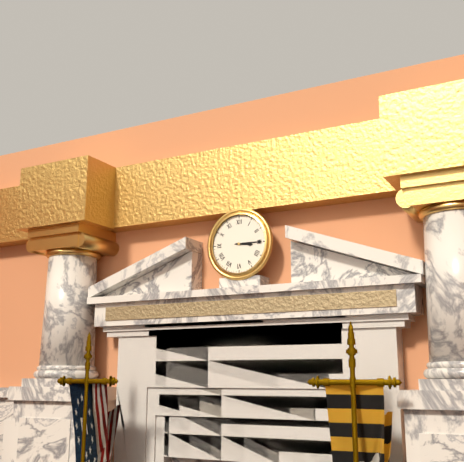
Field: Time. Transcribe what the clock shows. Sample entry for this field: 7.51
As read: 3.15
